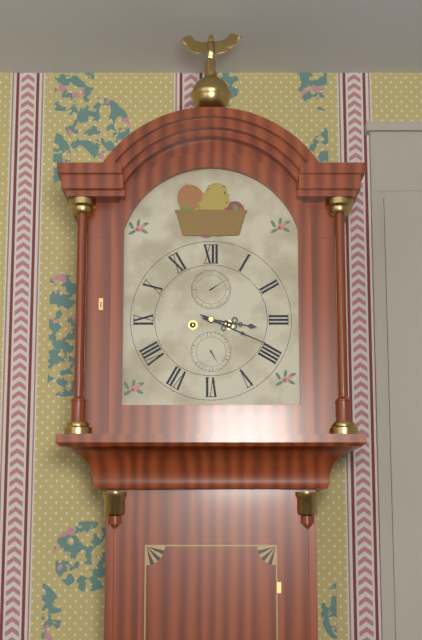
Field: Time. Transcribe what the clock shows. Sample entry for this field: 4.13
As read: 3.19
